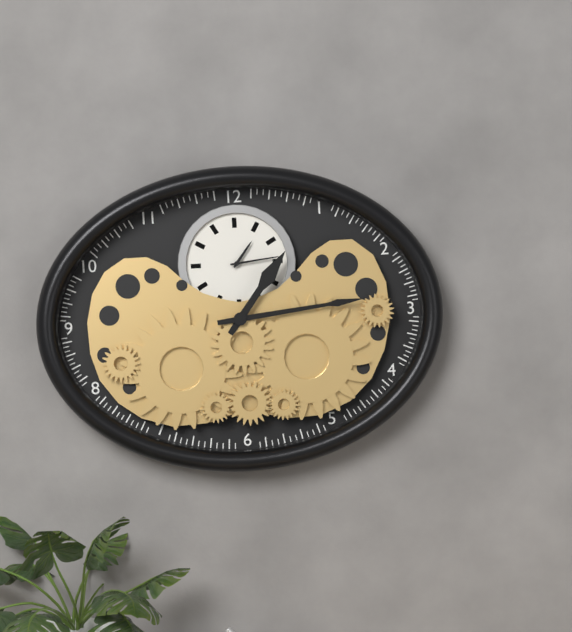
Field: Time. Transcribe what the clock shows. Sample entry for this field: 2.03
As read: 1.14
